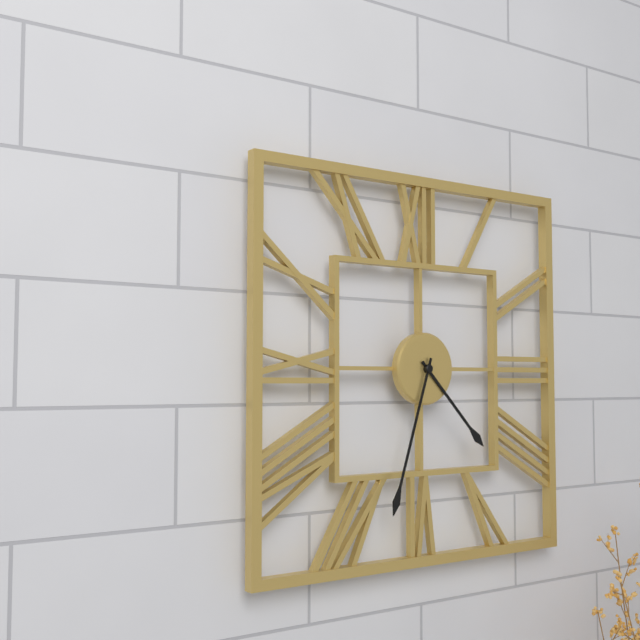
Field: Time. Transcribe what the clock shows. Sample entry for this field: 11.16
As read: 4.33
